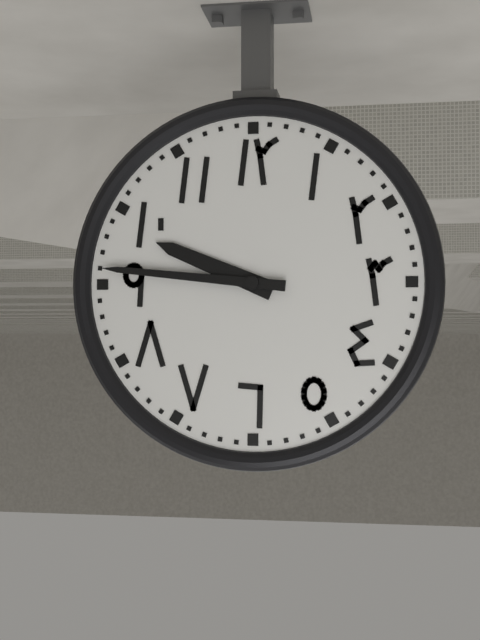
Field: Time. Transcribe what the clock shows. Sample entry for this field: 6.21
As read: 9.46
